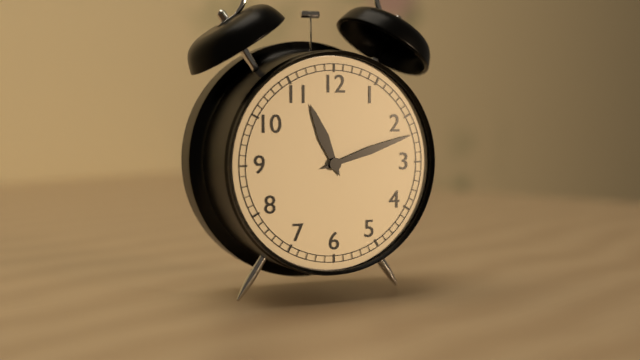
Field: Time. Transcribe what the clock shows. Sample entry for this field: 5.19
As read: 11.12
